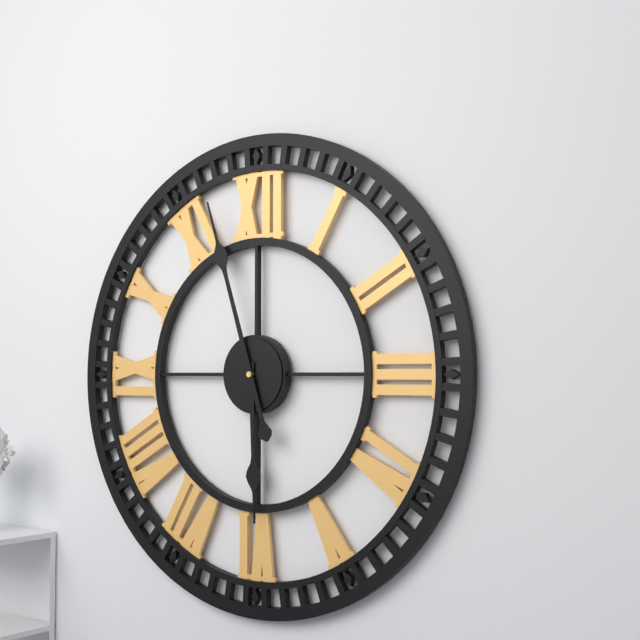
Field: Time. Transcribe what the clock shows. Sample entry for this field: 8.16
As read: 5.57
